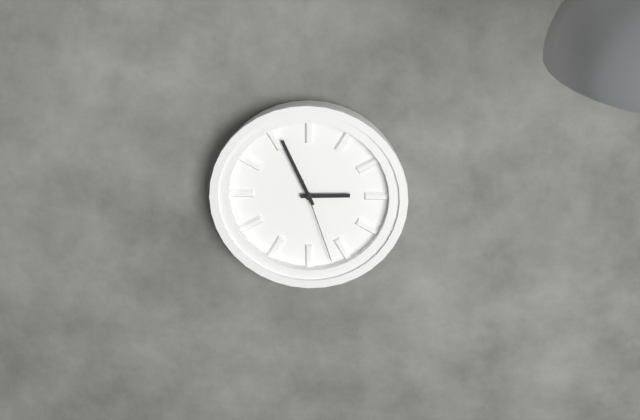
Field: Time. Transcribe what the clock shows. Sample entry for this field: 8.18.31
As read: 2.56.27
